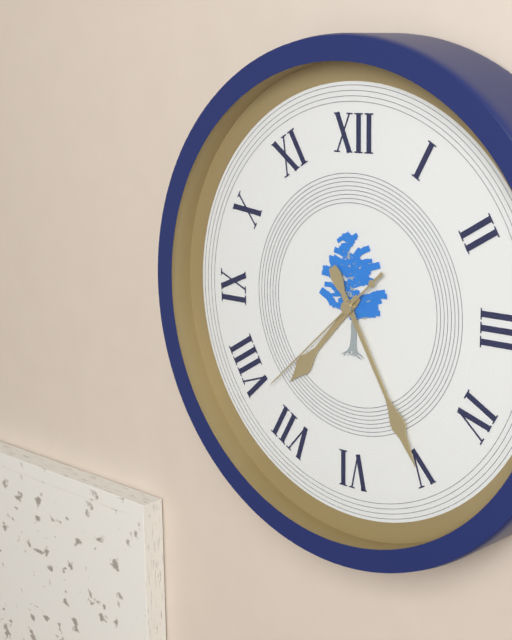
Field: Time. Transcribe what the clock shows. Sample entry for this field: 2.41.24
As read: 7.25.38
